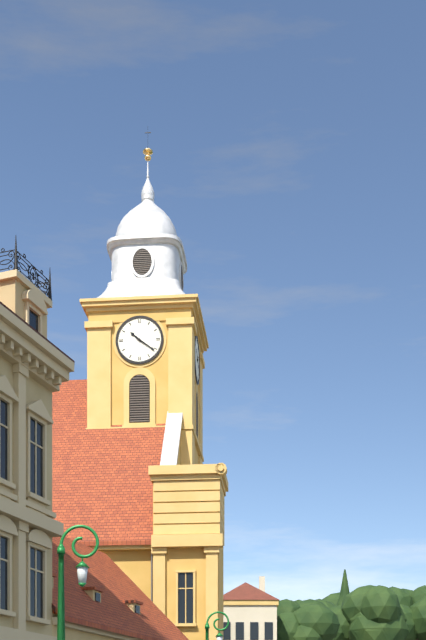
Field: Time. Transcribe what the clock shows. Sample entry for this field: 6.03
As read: 10.21
